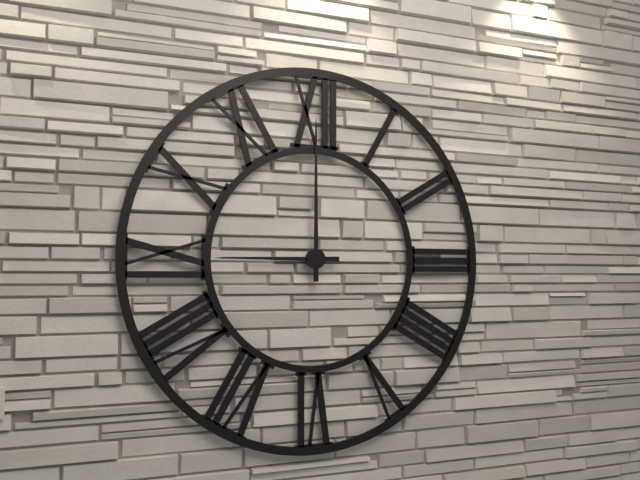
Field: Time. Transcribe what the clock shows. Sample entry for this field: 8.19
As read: 9.00
